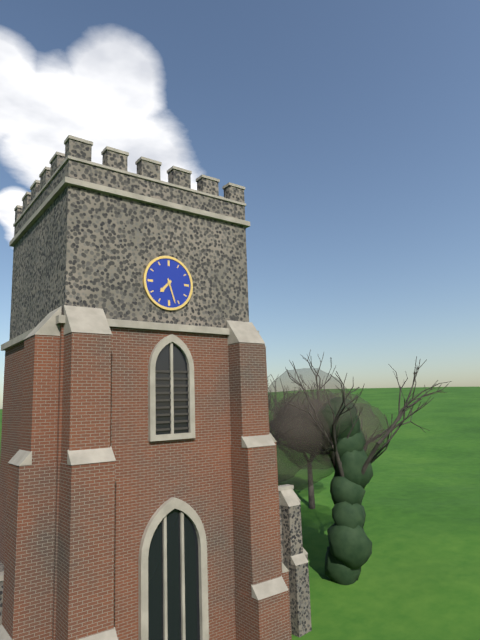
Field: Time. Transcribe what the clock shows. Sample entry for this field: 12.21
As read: 7.27
